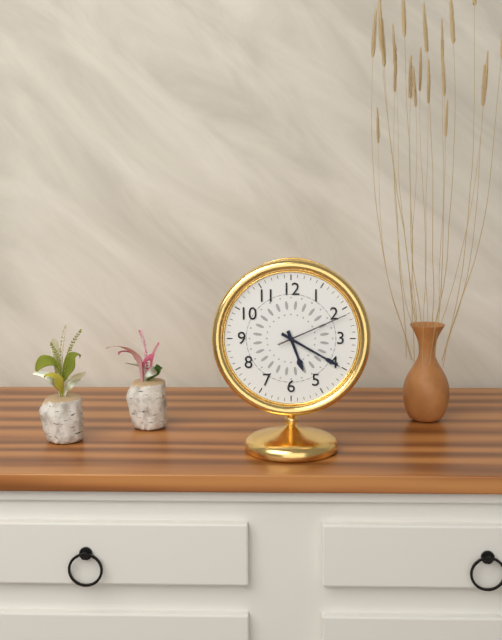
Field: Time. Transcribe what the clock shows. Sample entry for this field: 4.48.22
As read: 5.20.11
